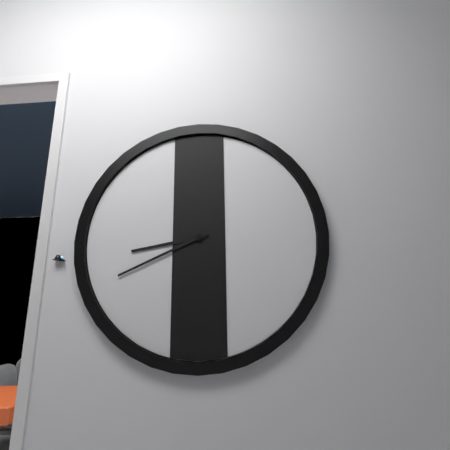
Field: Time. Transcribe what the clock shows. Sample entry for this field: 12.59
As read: 8.41
